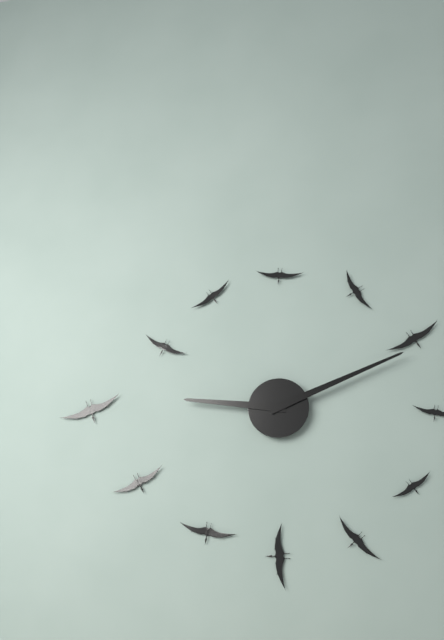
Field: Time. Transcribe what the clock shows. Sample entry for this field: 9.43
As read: 9.11
